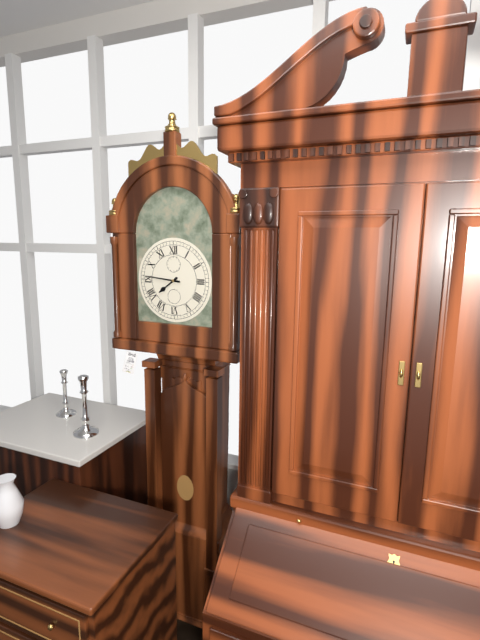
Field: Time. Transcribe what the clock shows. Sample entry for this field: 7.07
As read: 7.46
